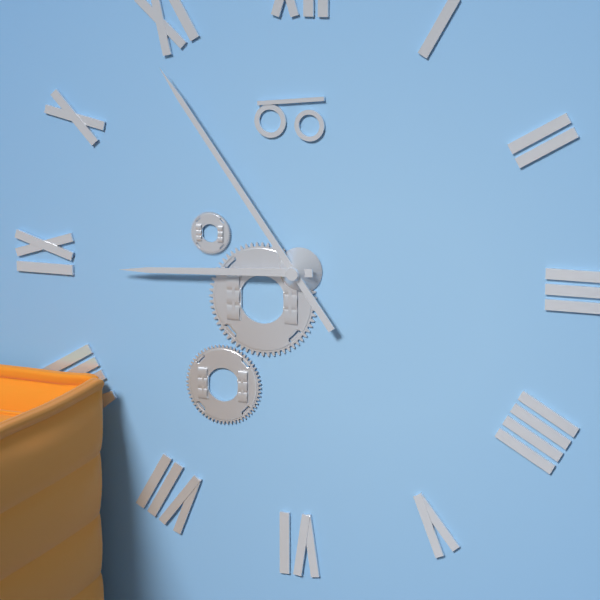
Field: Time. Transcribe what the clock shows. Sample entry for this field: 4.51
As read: 8.54
